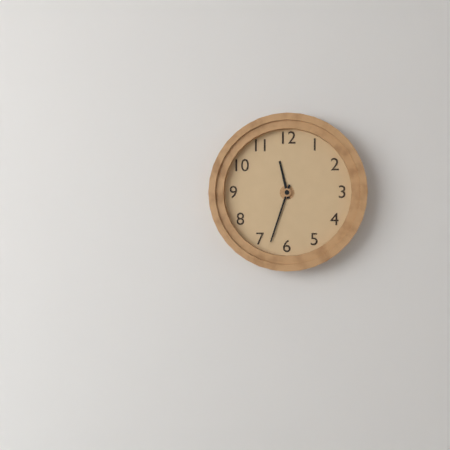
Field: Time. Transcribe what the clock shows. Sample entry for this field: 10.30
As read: 11.33
